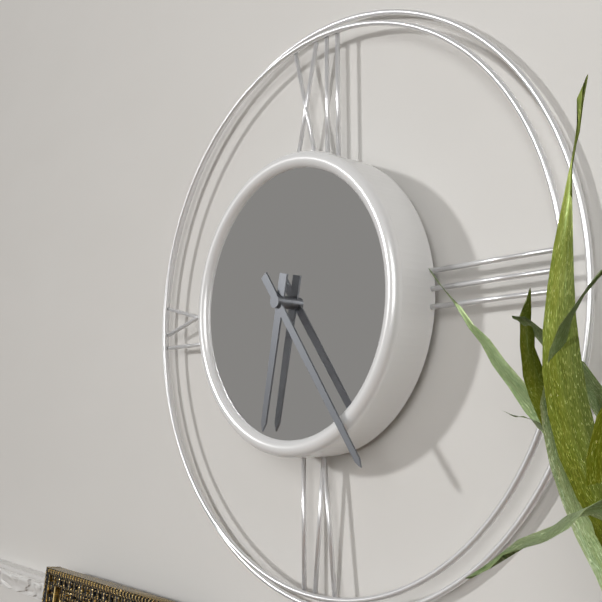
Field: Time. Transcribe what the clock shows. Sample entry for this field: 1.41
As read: 6.24
